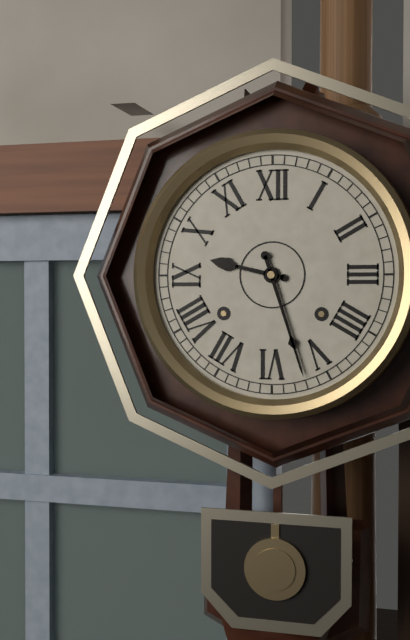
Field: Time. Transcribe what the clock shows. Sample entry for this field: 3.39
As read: 9.27
